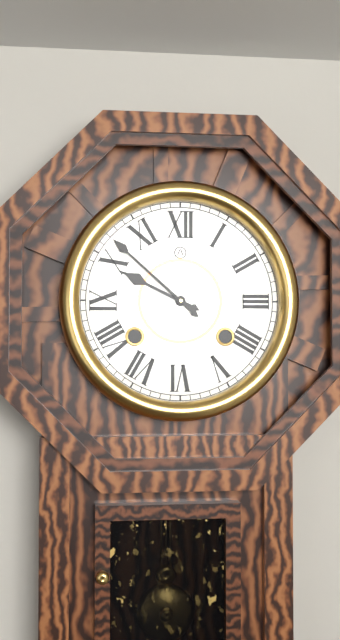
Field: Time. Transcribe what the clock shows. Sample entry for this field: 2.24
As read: 9.52
